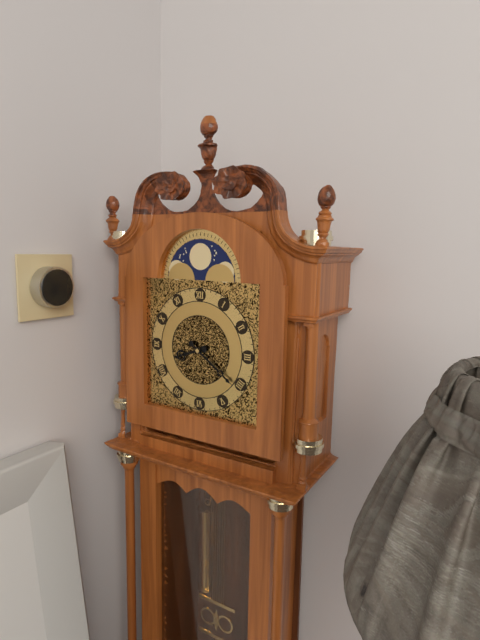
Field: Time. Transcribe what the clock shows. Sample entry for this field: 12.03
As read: 8.21
